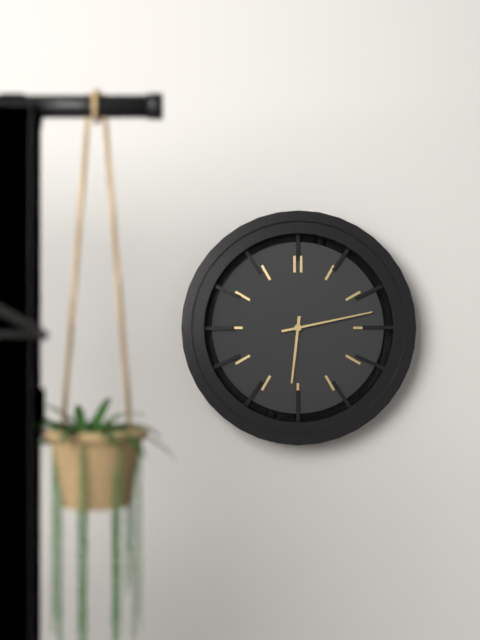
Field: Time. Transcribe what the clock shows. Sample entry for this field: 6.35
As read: 6.13
